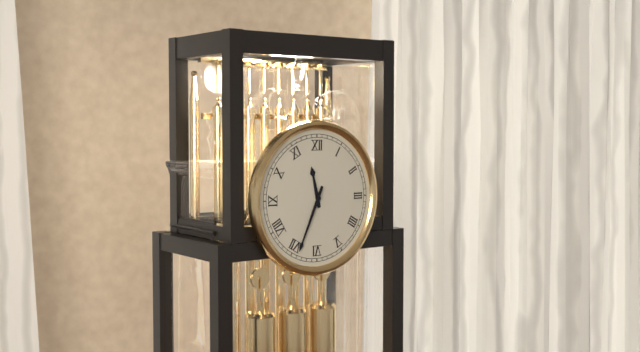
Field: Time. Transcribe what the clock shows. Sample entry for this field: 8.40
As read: 11.34
